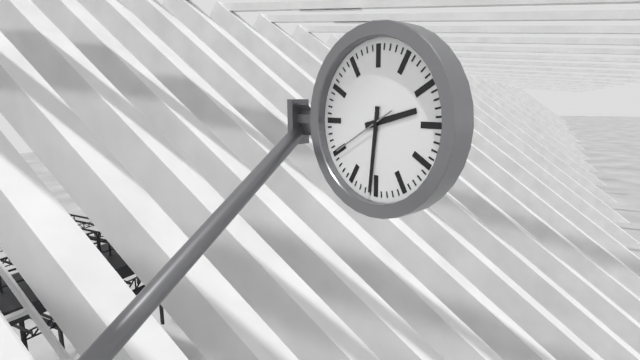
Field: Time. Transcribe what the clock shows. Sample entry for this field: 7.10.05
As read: 2.31.40
